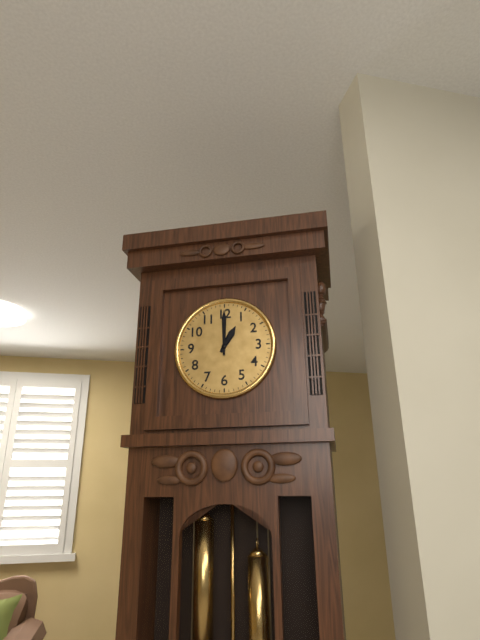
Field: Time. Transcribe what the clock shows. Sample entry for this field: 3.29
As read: 1.00
